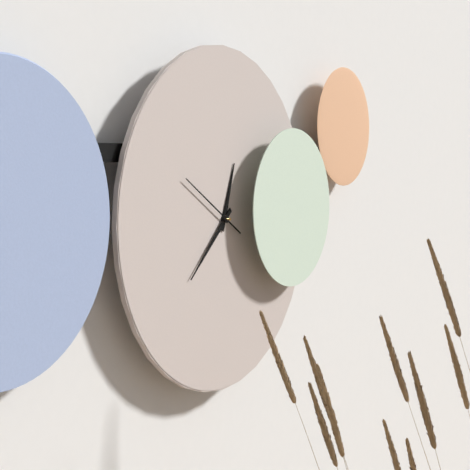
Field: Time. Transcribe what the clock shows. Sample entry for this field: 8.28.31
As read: 12.38.50
